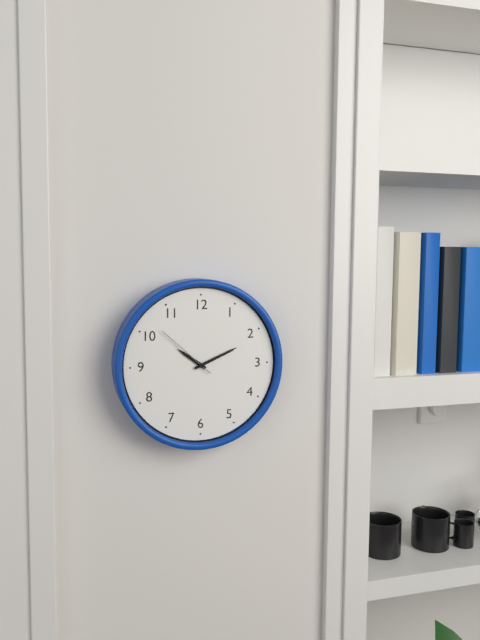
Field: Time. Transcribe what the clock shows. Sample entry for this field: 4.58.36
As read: 10.11.52
